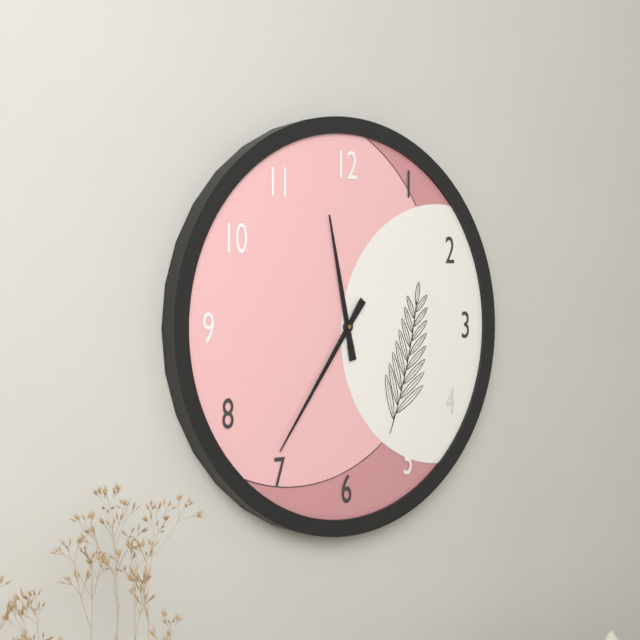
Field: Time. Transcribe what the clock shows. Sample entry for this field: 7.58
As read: 11.36
